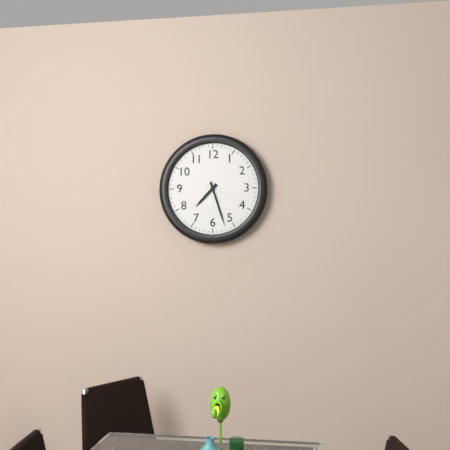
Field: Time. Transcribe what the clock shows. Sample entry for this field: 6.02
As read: 7.27
